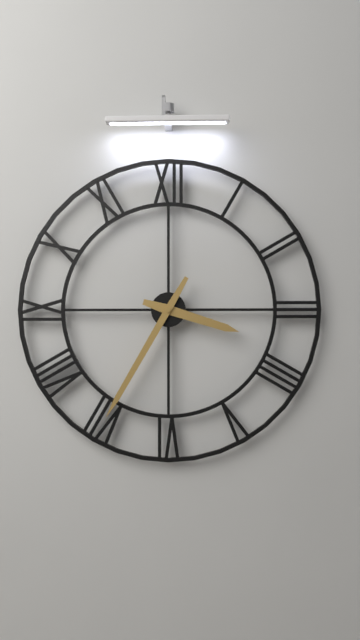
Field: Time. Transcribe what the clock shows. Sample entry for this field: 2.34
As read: 3.35
